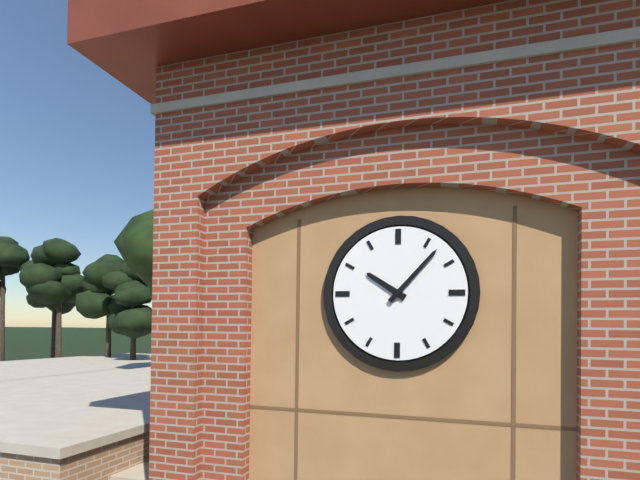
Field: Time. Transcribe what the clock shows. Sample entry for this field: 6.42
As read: 10.07
